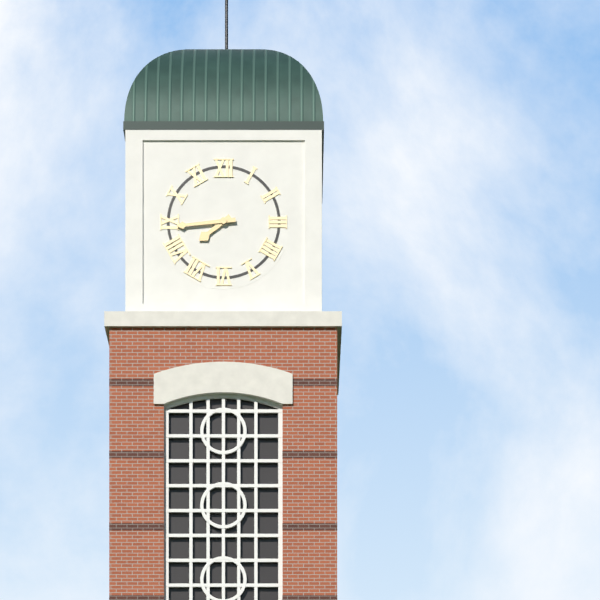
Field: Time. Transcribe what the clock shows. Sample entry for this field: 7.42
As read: 7.44
